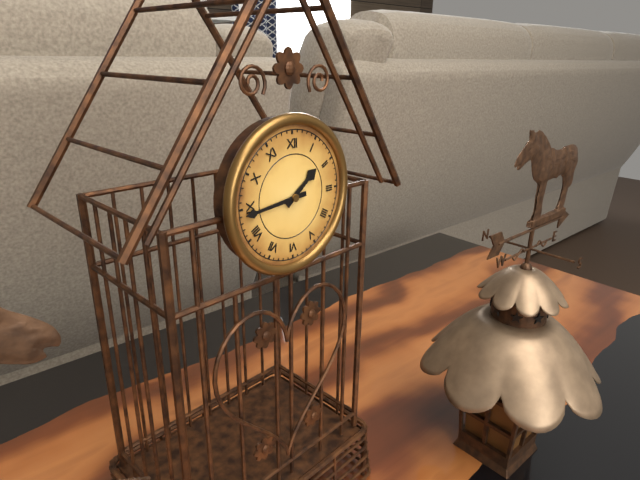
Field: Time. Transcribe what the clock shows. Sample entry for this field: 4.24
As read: 1.44
